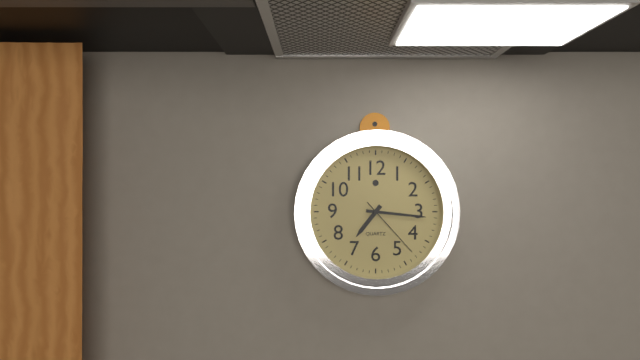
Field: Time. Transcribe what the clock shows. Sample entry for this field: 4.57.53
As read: 7.16.23
